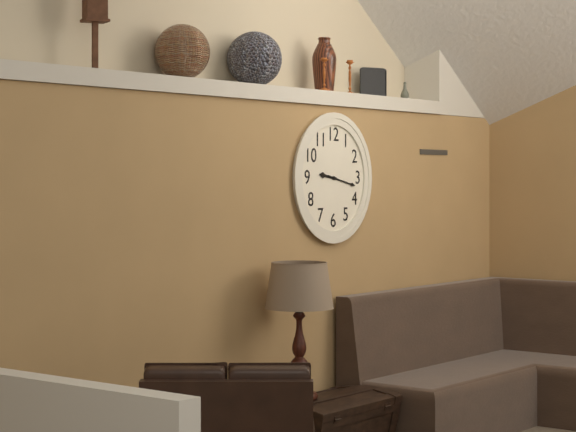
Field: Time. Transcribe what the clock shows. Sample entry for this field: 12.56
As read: 9.17
